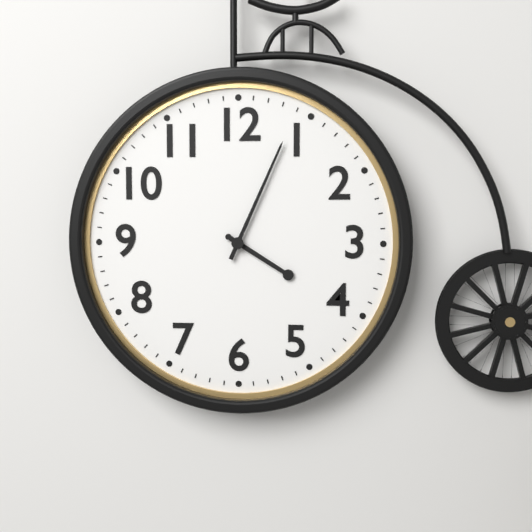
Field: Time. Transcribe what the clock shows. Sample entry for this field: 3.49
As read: 4.04
